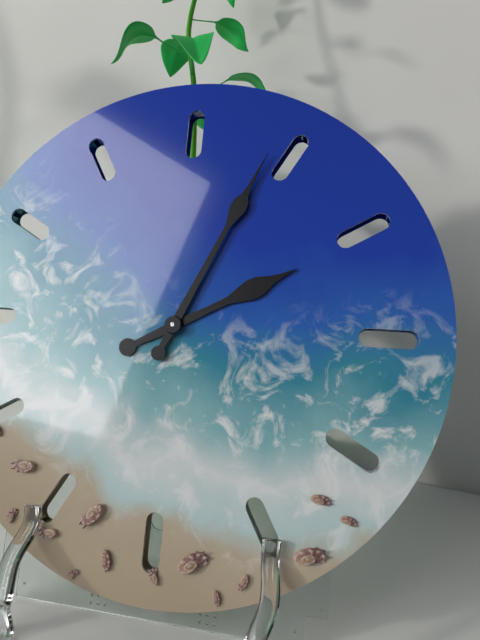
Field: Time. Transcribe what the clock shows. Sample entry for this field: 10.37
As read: 2.04
